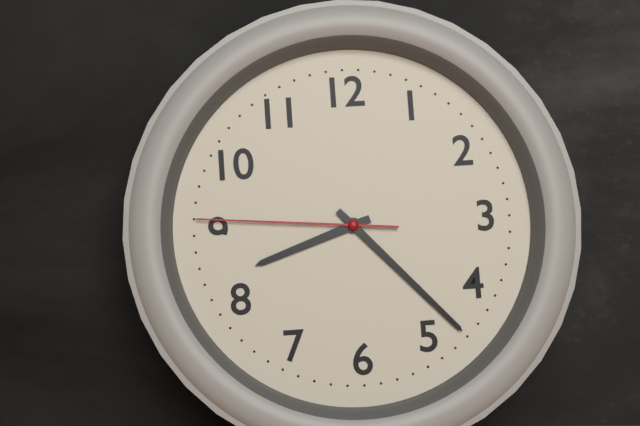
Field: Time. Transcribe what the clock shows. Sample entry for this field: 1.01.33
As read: 8.23.46
